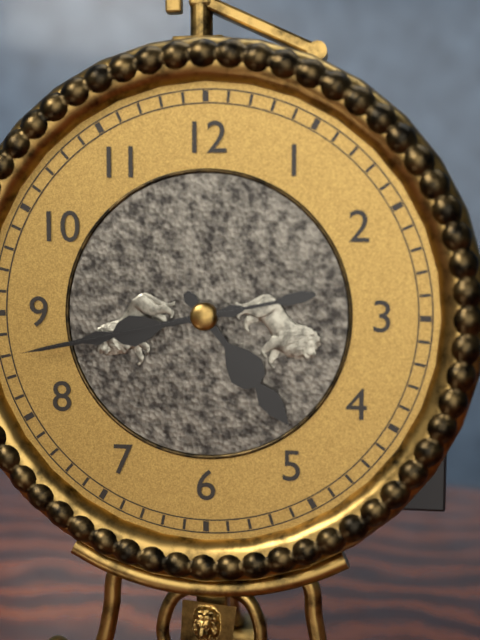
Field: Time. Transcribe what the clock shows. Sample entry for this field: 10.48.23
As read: 4.43.43
